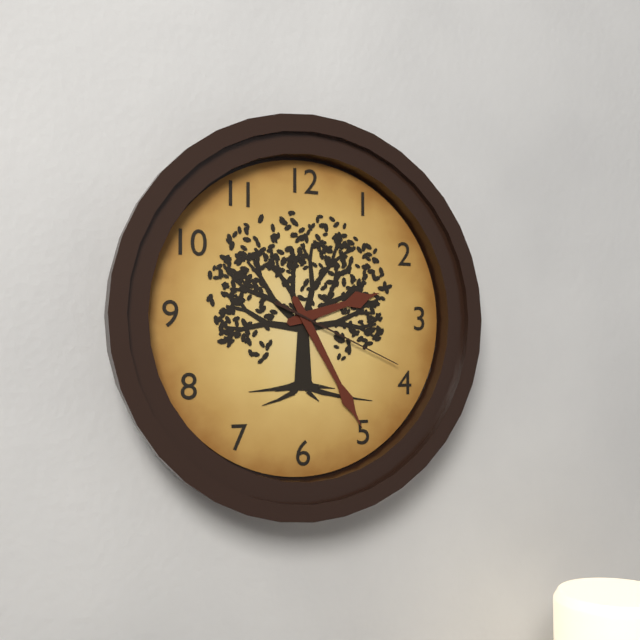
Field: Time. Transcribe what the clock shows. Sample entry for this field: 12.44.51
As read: 2.25.19
